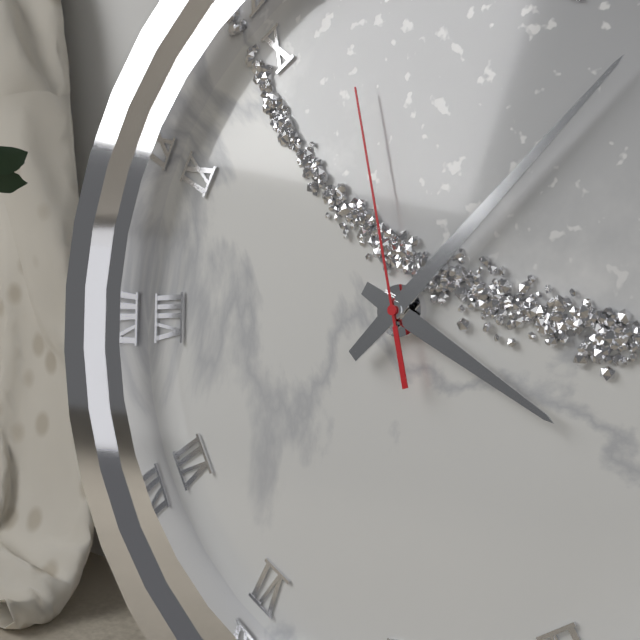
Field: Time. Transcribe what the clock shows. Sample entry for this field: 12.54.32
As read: 3.03.53
